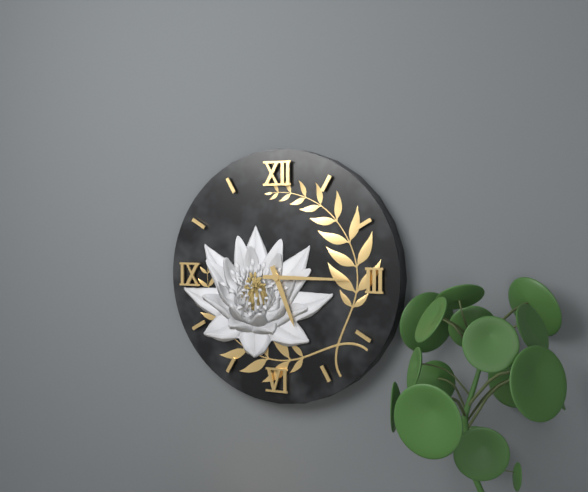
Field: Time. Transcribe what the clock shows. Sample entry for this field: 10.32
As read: 5.15
